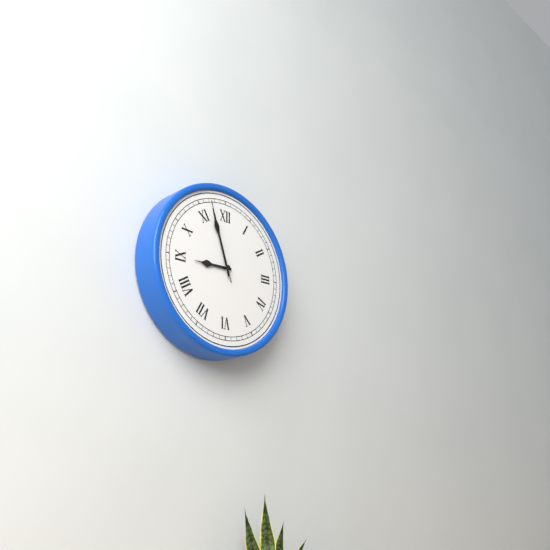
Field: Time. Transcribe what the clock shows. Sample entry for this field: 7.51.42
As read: 8.57.57
